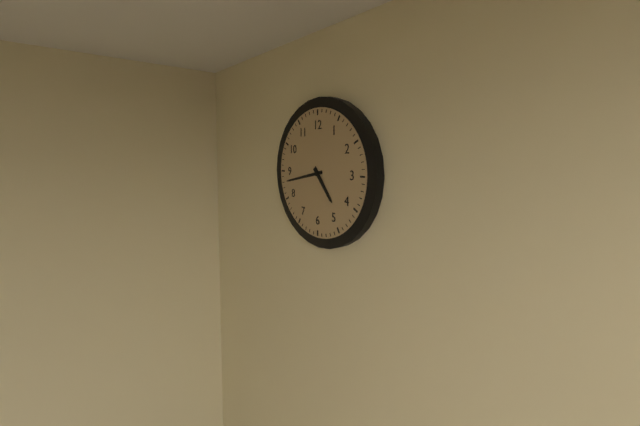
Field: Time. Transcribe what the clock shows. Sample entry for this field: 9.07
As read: 4.43
